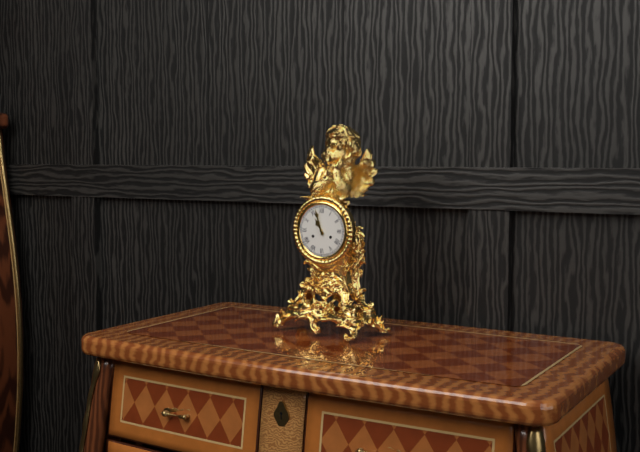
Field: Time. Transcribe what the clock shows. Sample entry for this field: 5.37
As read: 10.57
